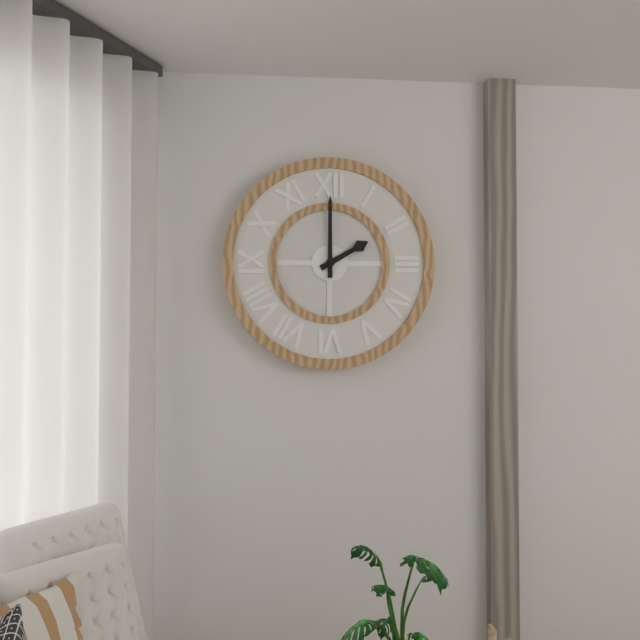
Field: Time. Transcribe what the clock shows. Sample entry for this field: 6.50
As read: 2.00
